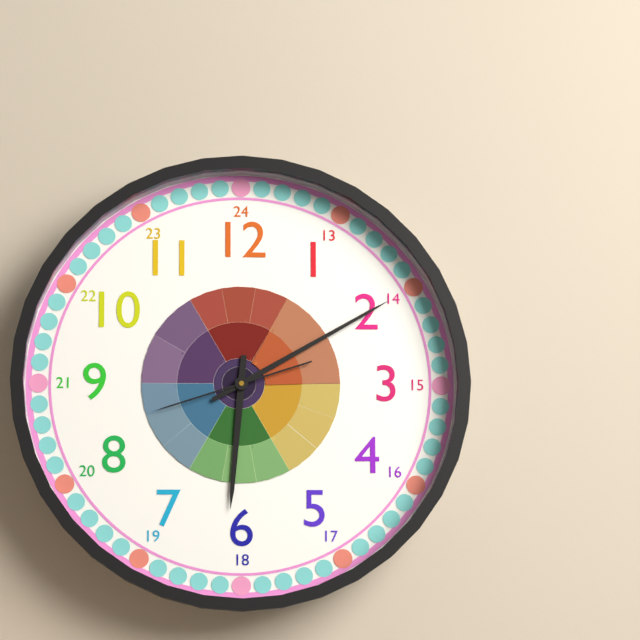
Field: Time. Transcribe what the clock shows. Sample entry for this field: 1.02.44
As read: 6.10.42
